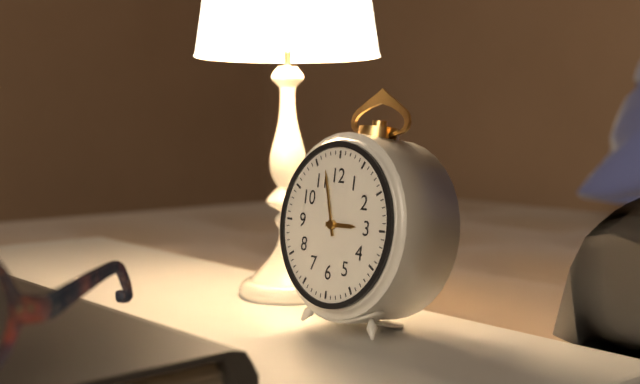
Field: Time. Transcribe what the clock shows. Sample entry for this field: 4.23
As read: 2.57
